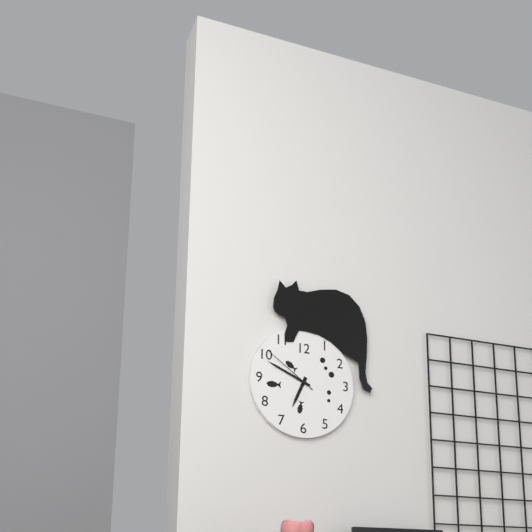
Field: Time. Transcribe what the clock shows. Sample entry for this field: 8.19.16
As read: 6.49.51
